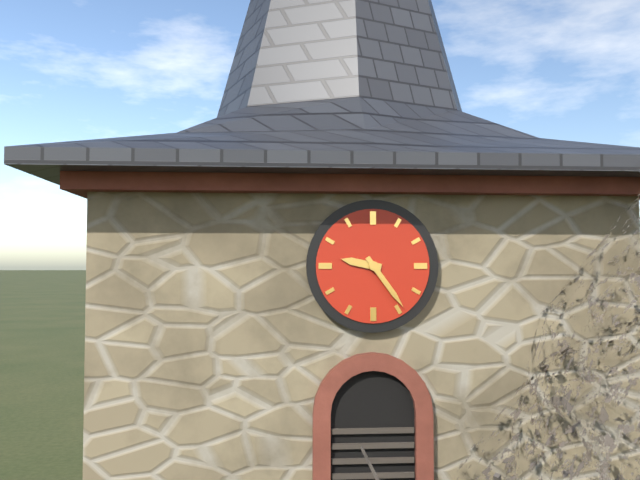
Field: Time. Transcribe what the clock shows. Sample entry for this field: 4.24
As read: 9.24
